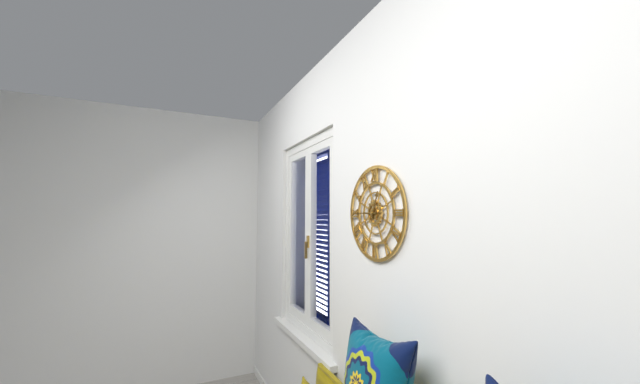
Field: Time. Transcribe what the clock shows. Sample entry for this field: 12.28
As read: 12.45
